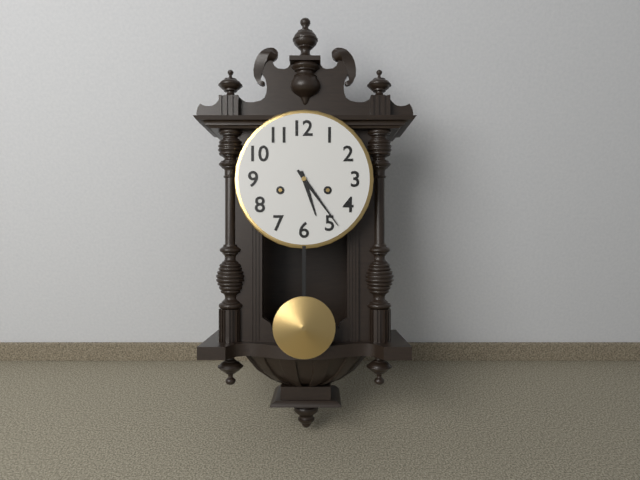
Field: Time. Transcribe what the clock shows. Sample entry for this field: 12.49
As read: 5.24
